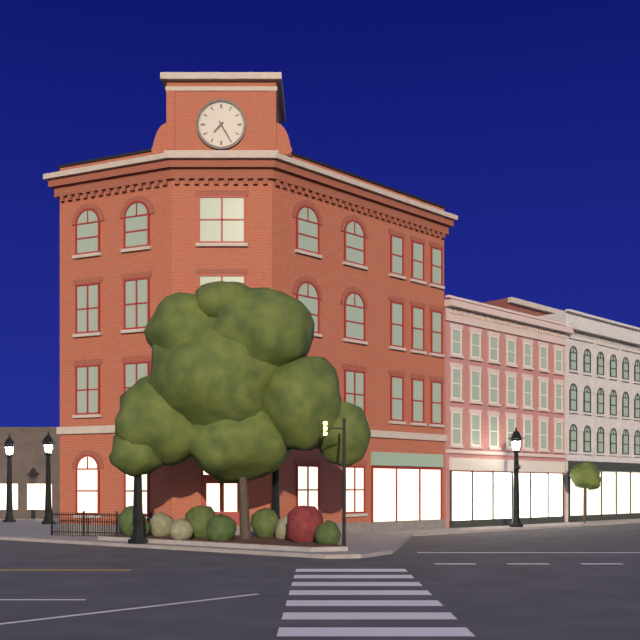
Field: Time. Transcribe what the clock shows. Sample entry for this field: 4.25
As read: 7.25
